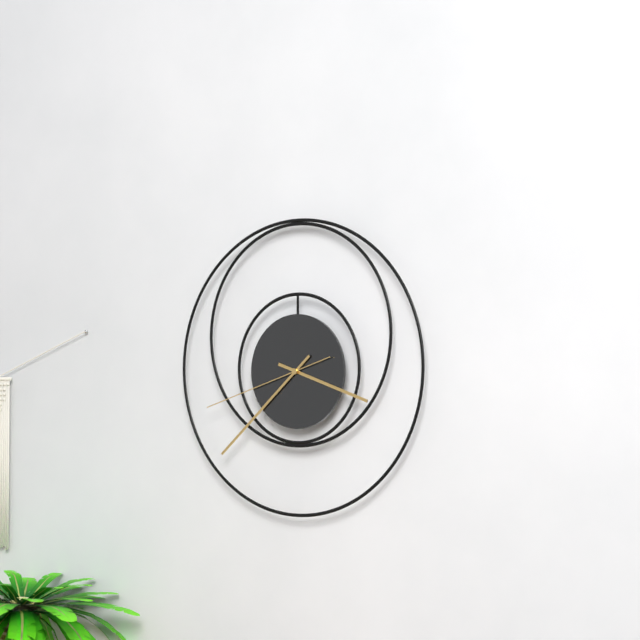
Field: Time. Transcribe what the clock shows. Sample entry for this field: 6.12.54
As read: 3.38.42
